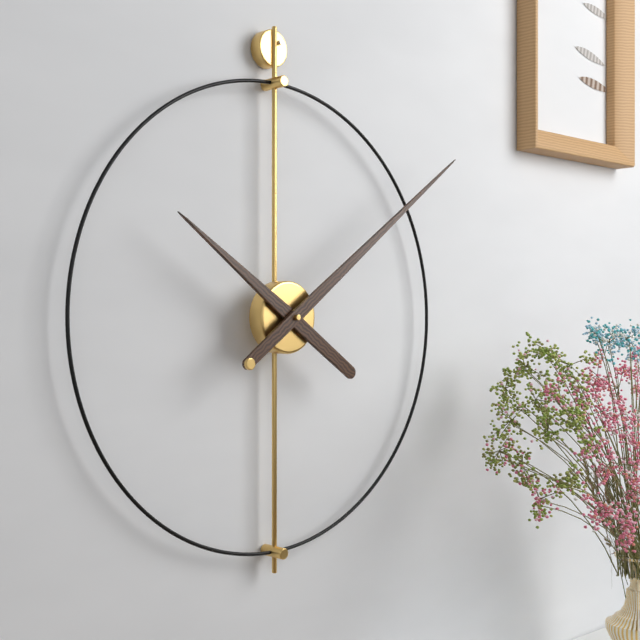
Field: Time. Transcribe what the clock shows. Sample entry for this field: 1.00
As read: 10.09
